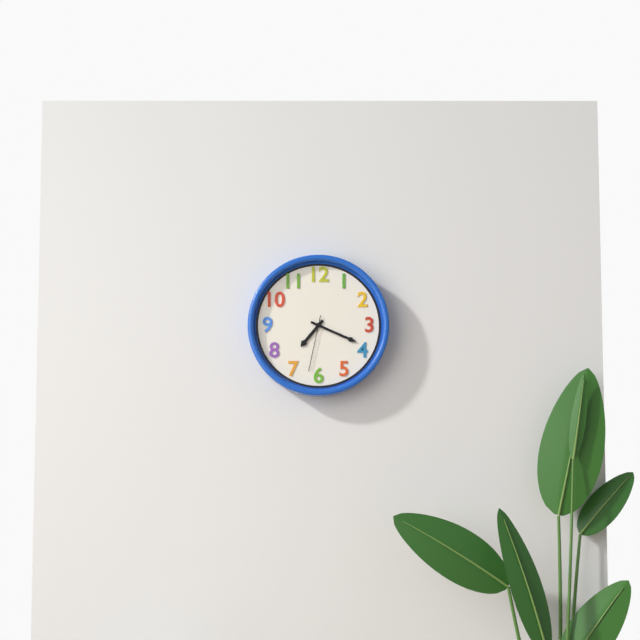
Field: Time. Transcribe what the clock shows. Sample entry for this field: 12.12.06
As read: 7.19.32
